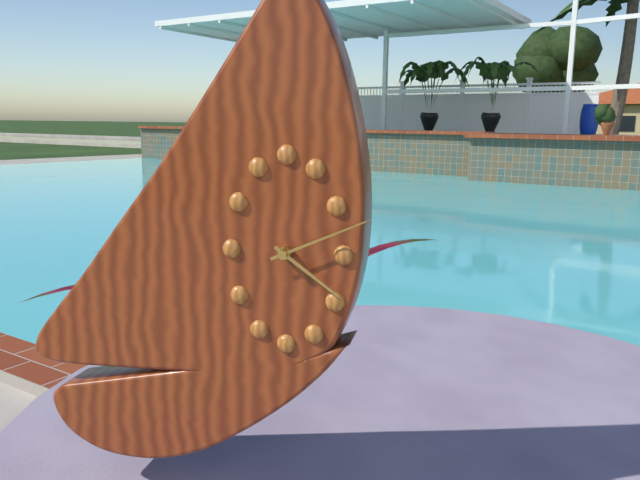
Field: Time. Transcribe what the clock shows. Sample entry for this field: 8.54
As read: 4.11
